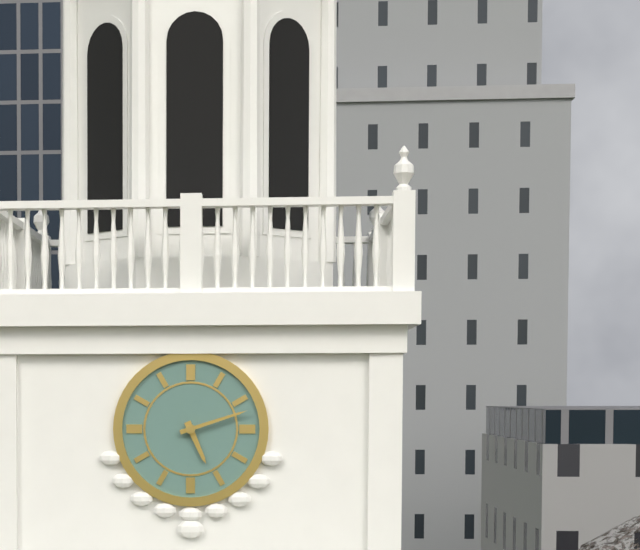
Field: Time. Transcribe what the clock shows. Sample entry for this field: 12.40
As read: 5.12
